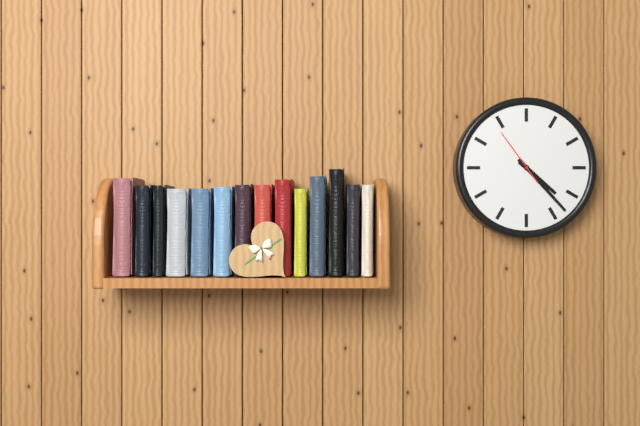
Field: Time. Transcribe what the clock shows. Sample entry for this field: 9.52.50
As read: 4.23.54
